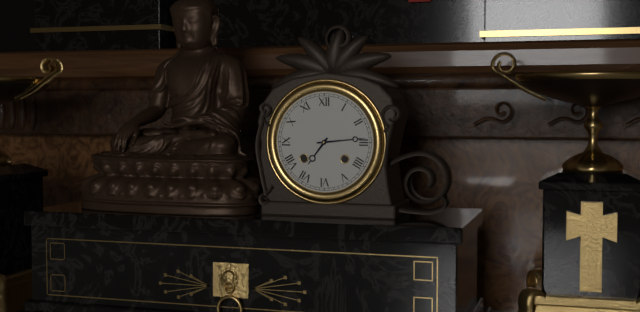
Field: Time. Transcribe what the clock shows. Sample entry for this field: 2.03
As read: 7.14
